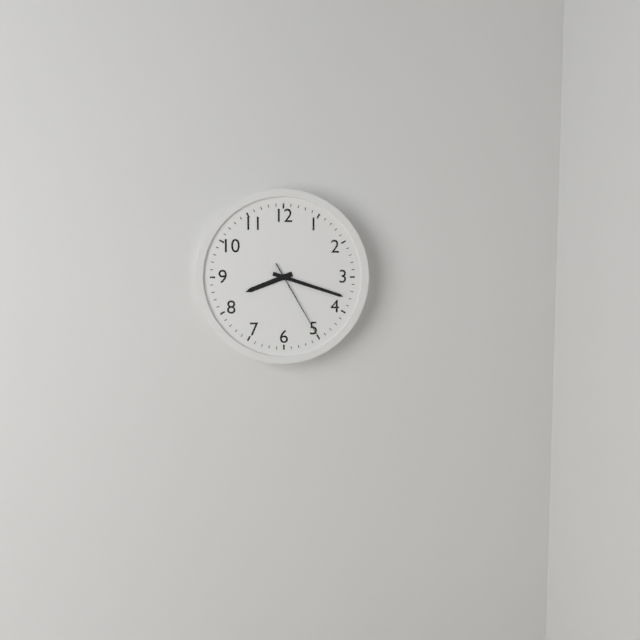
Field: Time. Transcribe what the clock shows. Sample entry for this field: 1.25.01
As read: 8.18.25
